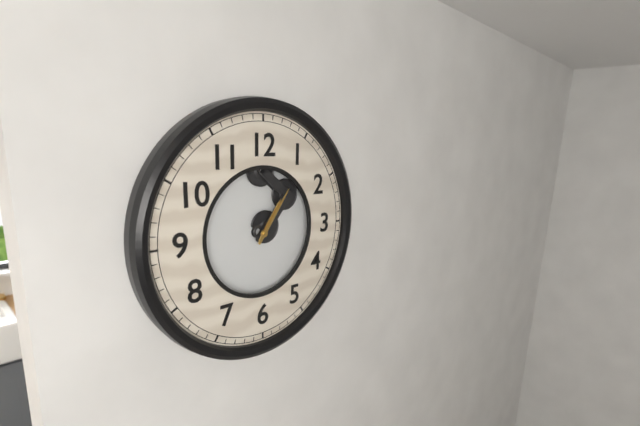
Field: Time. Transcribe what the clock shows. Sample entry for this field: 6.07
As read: 1.06
